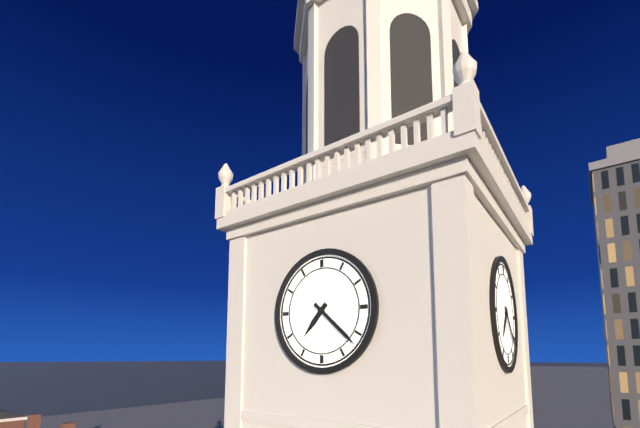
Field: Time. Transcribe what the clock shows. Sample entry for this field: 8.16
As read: 7.22
